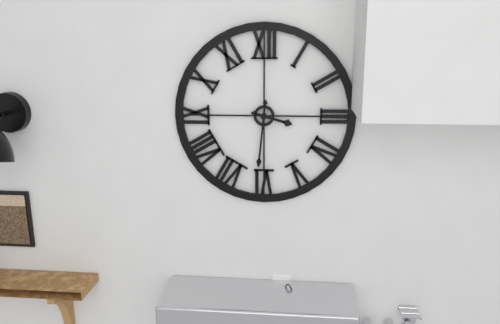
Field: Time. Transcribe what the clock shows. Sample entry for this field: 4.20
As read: 3.31
